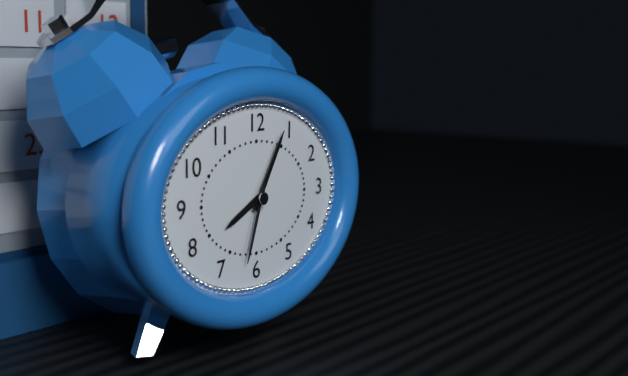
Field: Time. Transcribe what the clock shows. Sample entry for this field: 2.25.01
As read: 8.05.33
